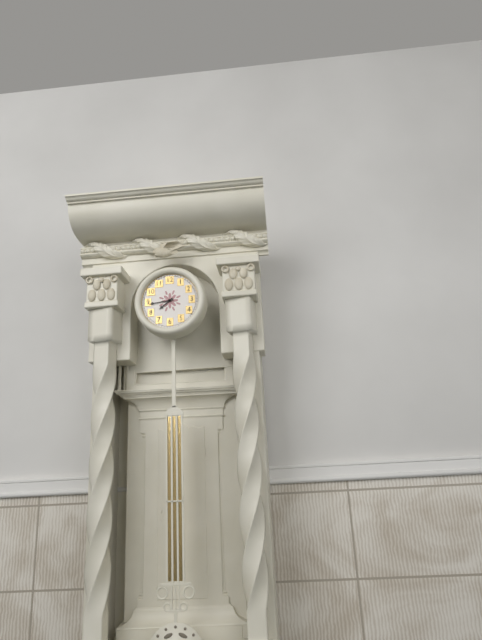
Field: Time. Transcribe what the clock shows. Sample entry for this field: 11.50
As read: 7.44
